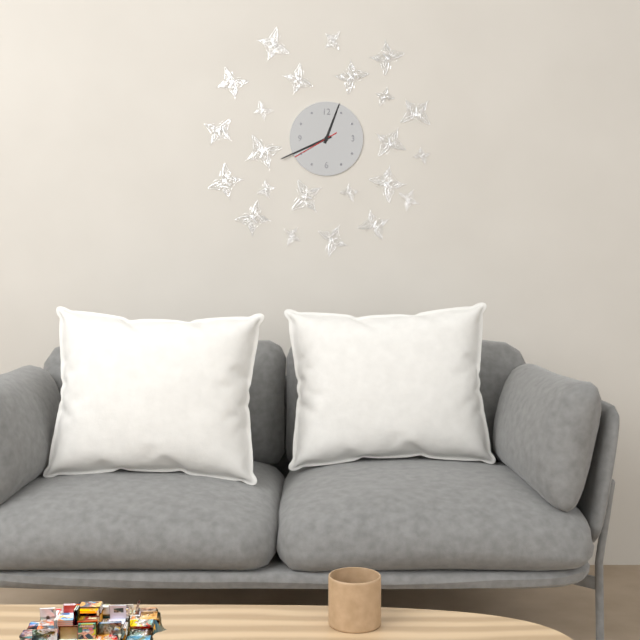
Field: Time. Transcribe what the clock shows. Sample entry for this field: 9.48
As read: 12.41
